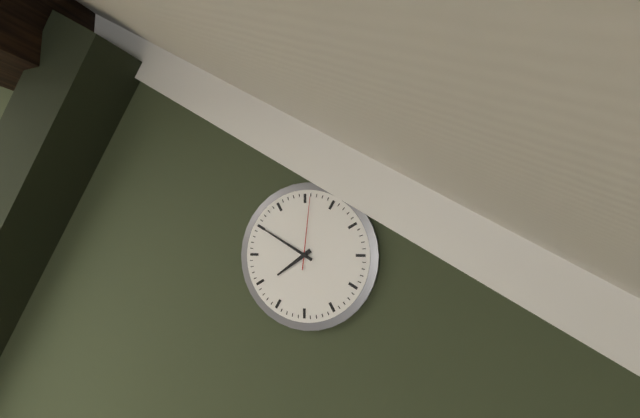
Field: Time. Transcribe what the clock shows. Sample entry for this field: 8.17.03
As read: 7.50.01
